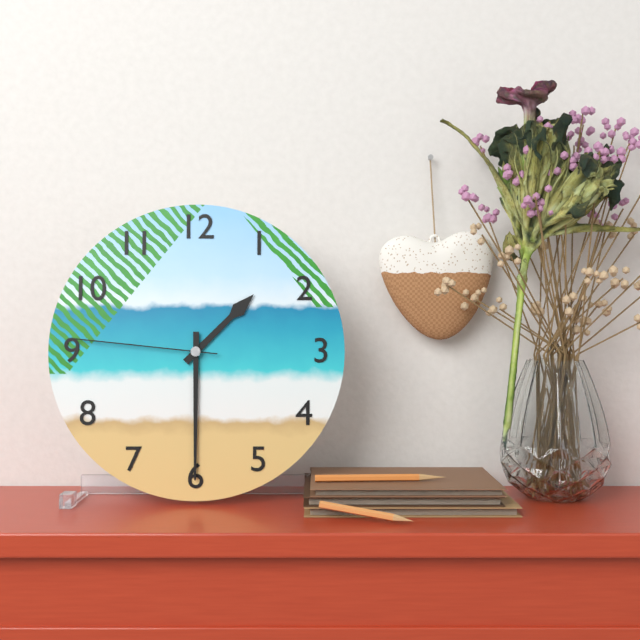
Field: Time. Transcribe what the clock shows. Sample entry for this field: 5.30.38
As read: 1.30.46
